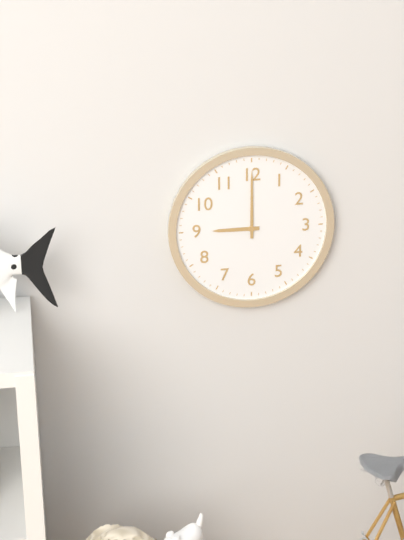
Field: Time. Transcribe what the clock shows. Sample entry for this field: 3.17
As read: 9.00
